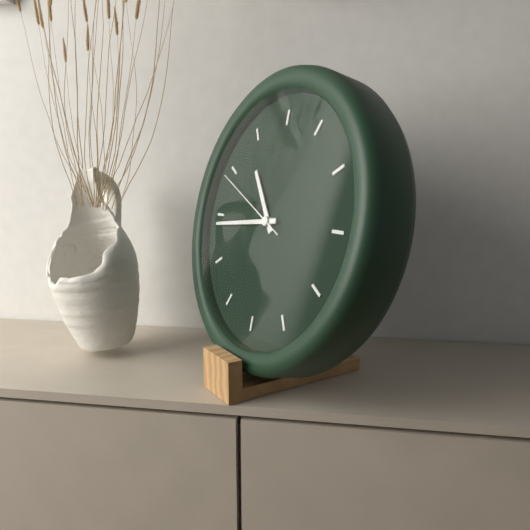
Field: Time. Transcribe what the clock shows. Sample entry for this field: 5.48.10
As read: 10.44.49
